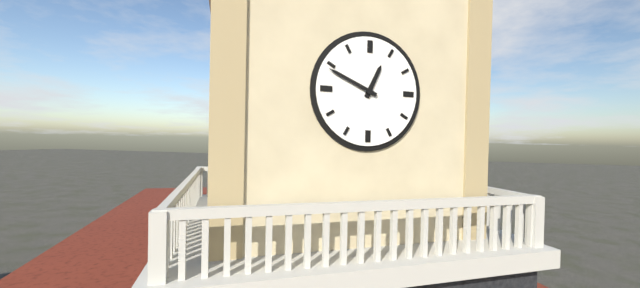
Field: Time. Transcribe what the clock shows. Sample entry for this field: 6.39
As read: 12.49
